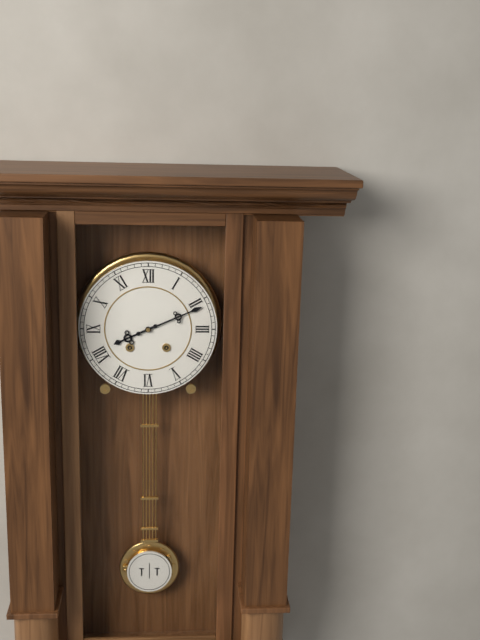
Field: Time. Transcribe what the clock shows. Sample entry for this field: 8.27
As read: 8.11
